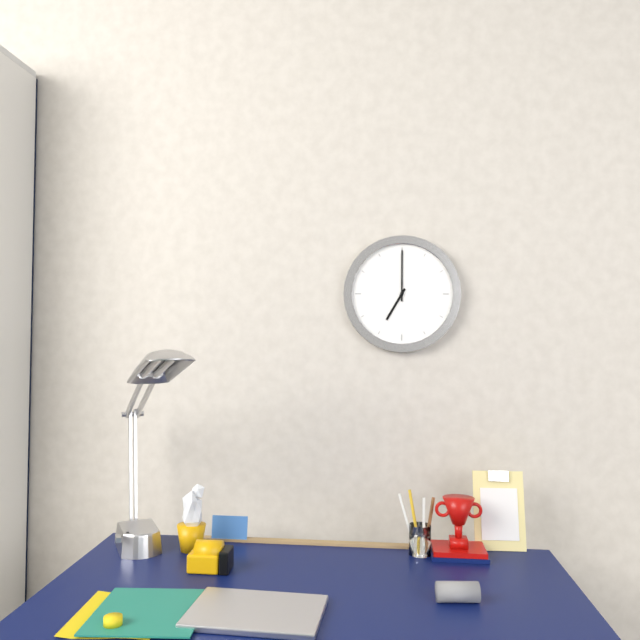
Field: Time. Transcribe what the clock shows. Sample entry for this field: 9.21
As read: 7.00
